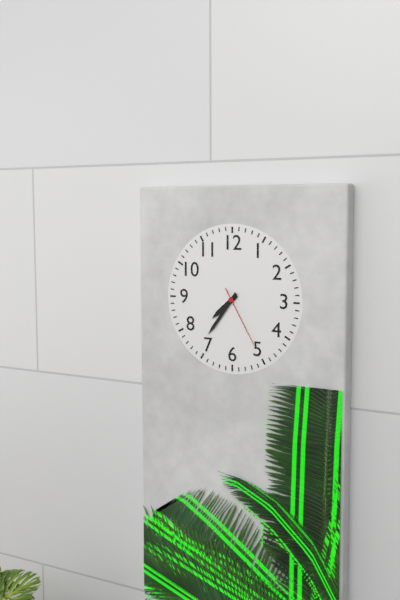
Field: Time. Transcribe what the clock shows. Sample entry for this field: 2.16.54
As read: 7.36.25
